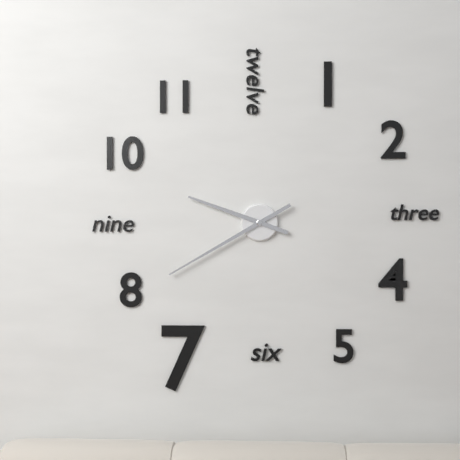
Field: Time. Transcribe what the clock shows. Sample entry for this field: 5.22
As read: 9.40
